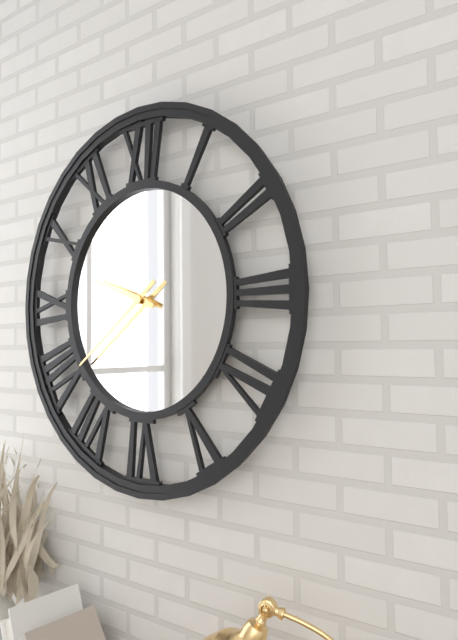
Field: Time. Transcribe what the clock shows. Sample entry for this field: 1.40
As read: 9.39
